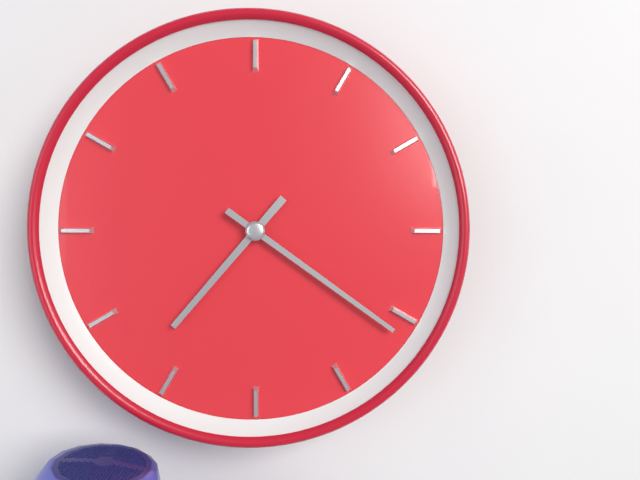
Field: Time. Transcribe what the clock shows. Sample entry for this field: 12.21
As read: 7.21
